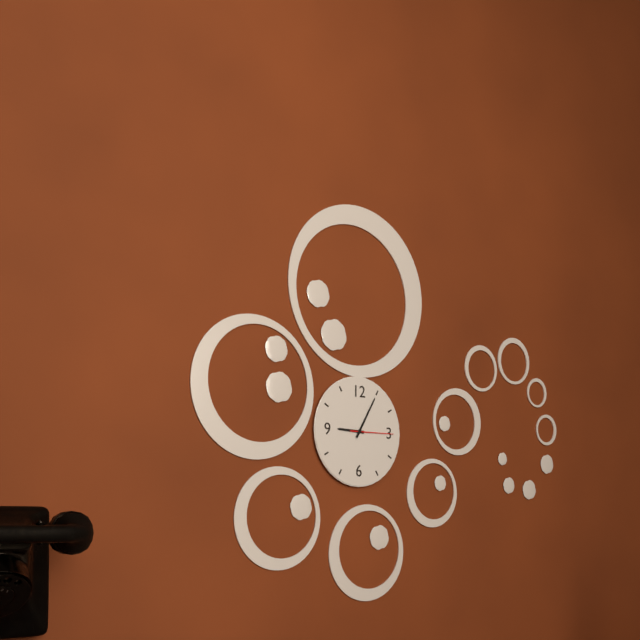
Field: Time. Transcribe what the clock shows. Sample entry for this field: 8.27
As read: 9.05
